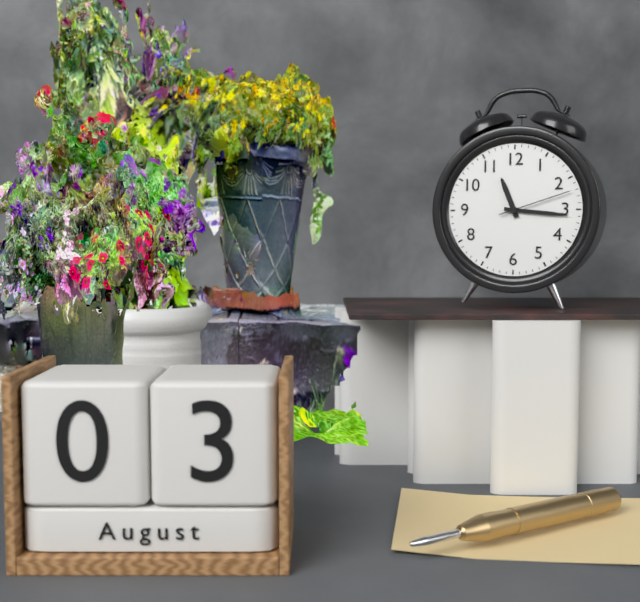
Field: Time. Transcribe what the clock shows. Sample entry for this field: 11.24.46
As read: 11.16.12
